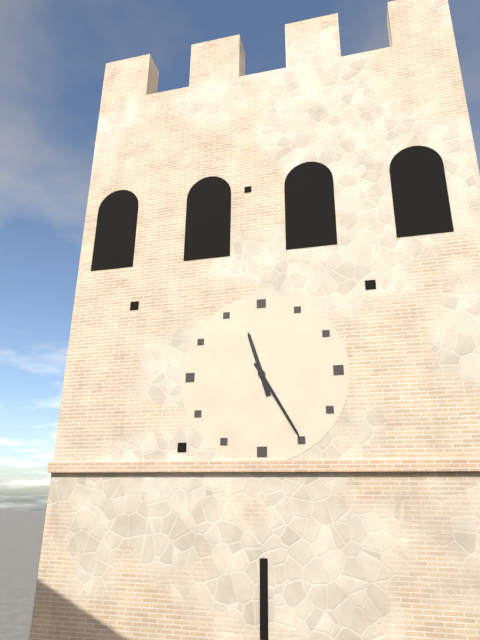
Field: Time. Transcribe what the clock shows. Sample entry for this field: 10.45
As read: 11.25
